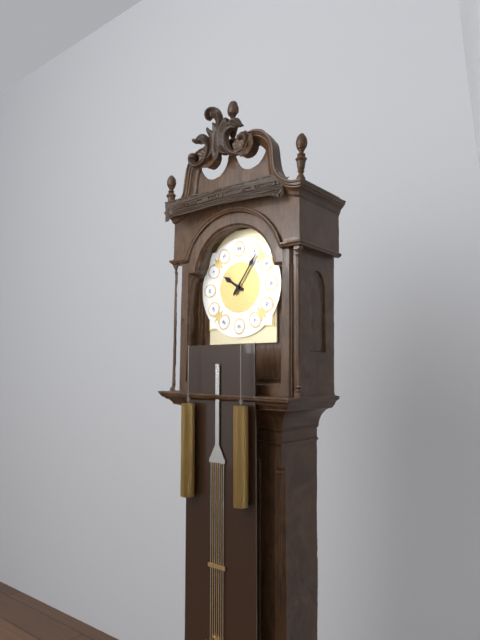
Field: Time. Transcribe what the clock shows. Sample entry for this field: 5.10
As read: 10.06
